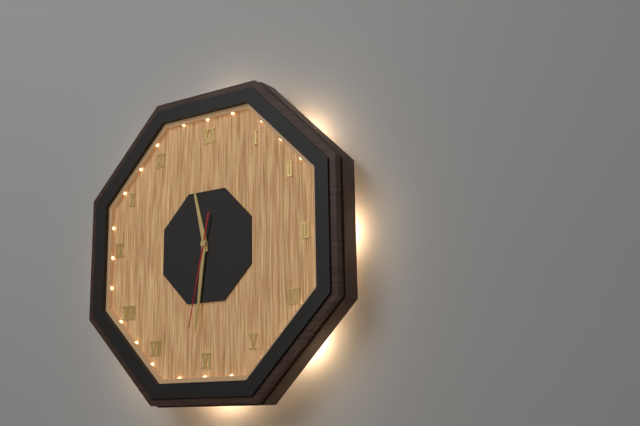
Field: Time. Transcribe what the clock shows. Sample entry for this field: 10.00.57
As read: 11.31.32
